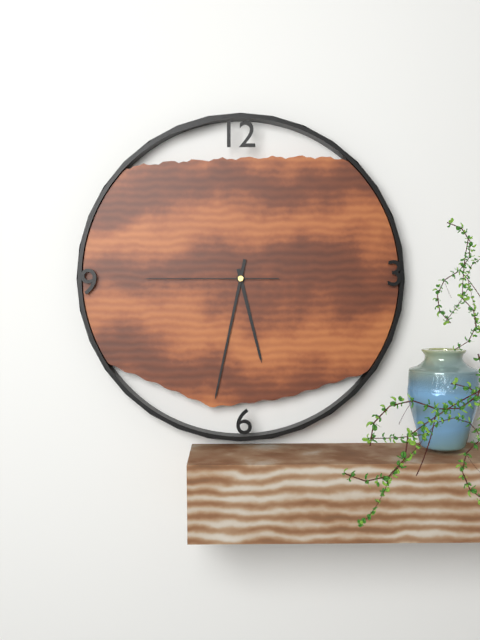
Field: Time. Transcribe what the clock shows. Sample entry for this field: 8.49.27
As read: 5.32.45
